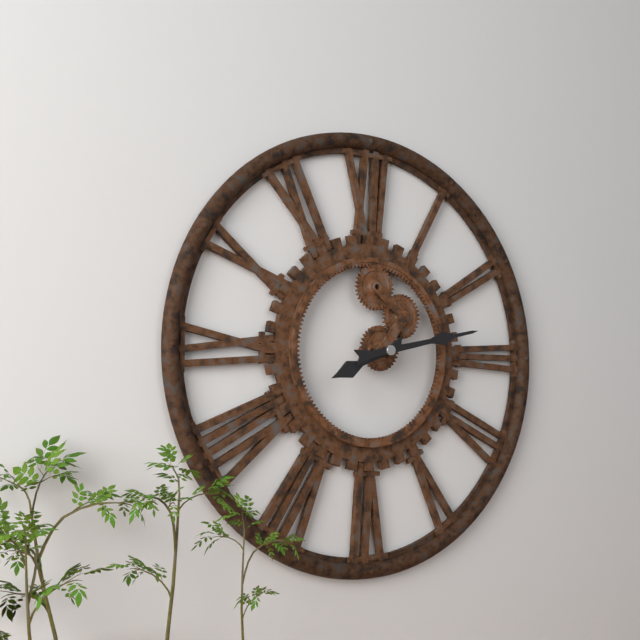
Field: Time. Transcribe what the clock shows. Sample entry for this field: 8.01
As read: 8.13
